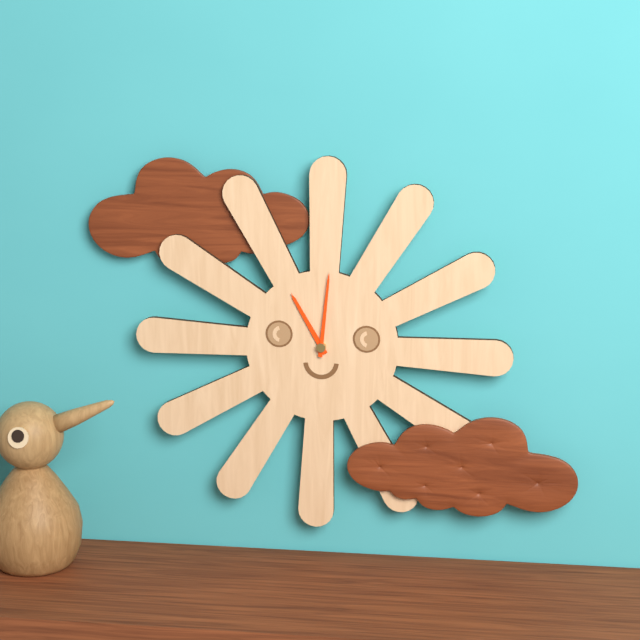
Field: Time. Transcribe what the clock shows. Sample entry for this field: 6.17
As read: 11.01
